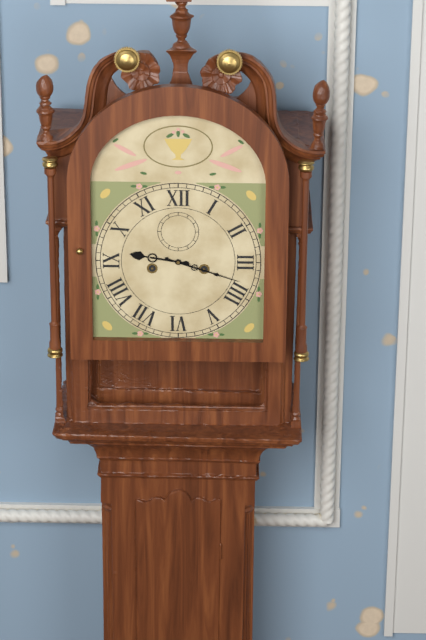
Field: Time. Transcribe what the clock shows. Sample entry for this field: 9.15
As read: 9.18
